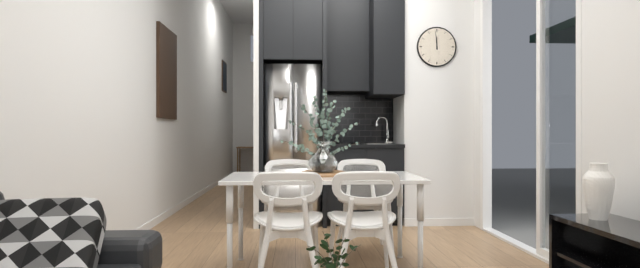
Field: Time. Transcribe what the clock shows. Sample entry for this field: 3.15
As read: 11.59
